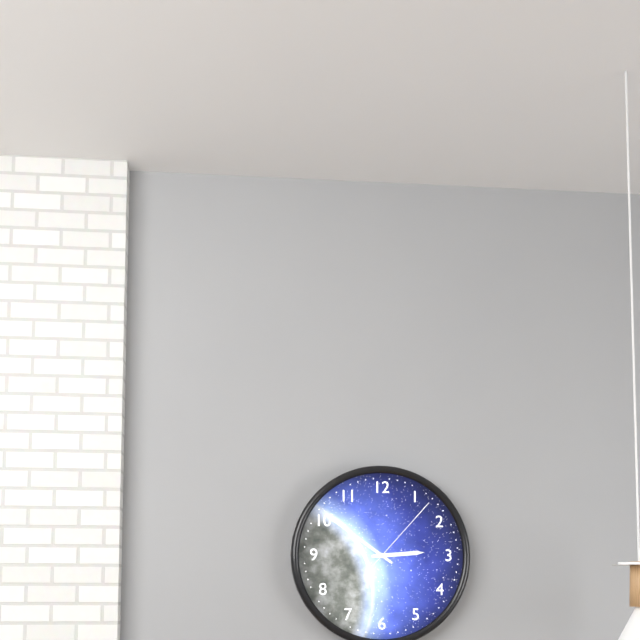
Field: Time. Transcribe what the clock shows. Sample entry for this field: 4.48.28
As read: 2.51.07
